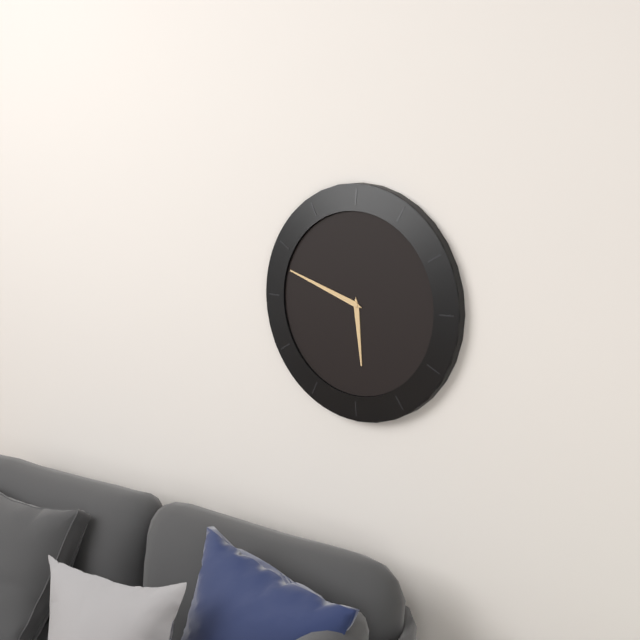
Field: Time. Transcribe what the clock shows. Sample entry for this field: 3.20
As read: 5.48
